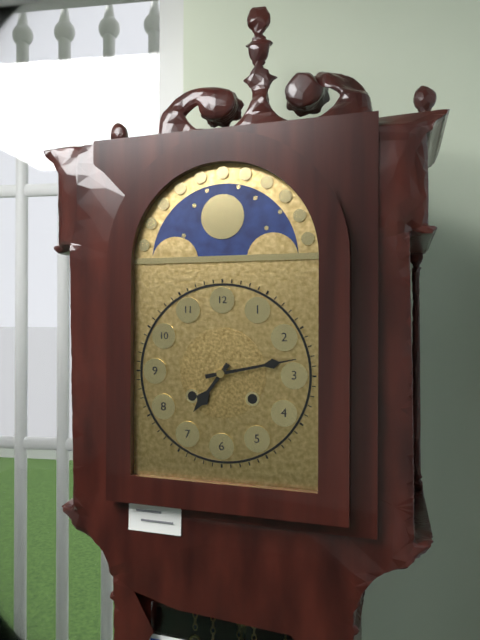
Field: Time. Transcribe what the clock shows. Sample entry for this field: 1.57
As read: 7.13
